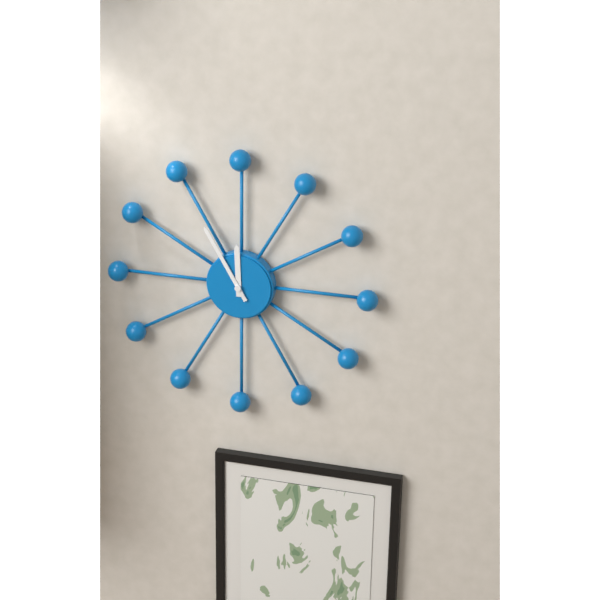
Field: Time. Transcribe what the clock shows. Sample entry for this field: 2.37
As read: 11.55
